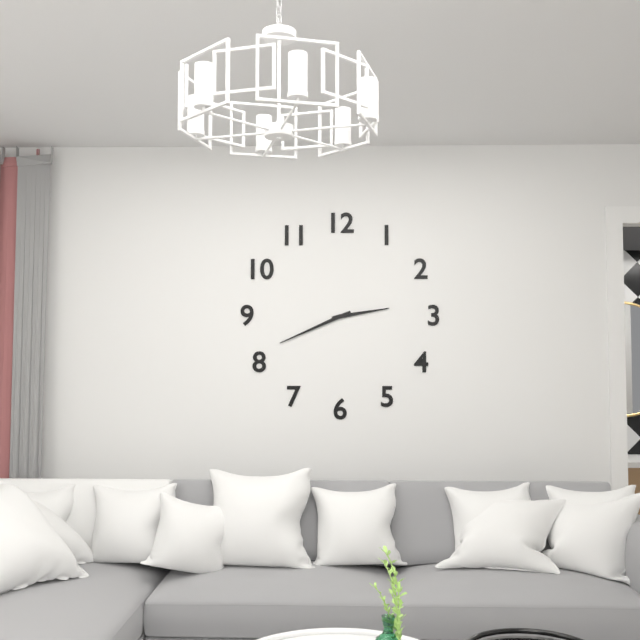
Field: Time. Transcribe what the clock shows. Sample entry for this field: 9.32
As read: 2.41
